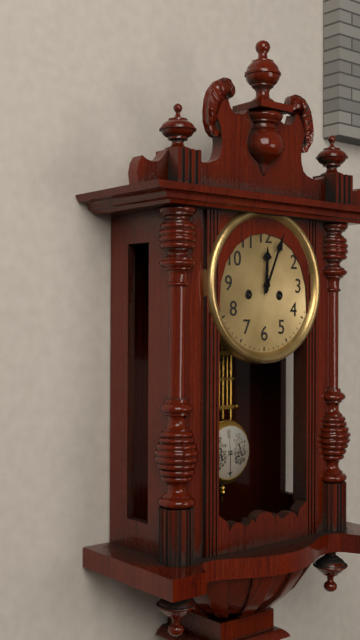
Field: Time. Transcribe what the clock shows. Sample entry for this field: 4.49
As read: 12.04
